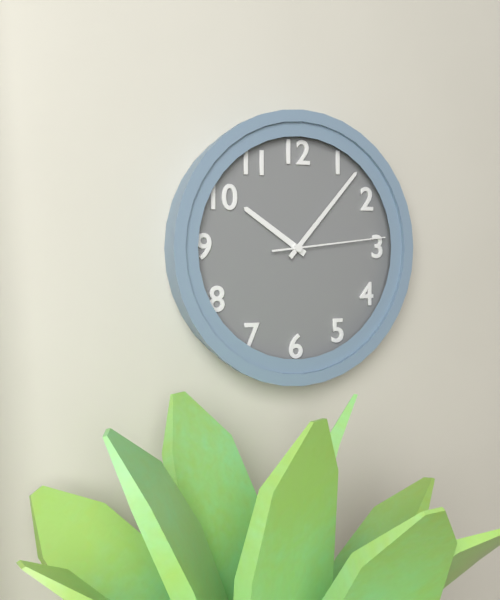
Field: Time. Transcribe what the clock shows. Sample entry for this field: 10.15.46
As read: 10.07.14
